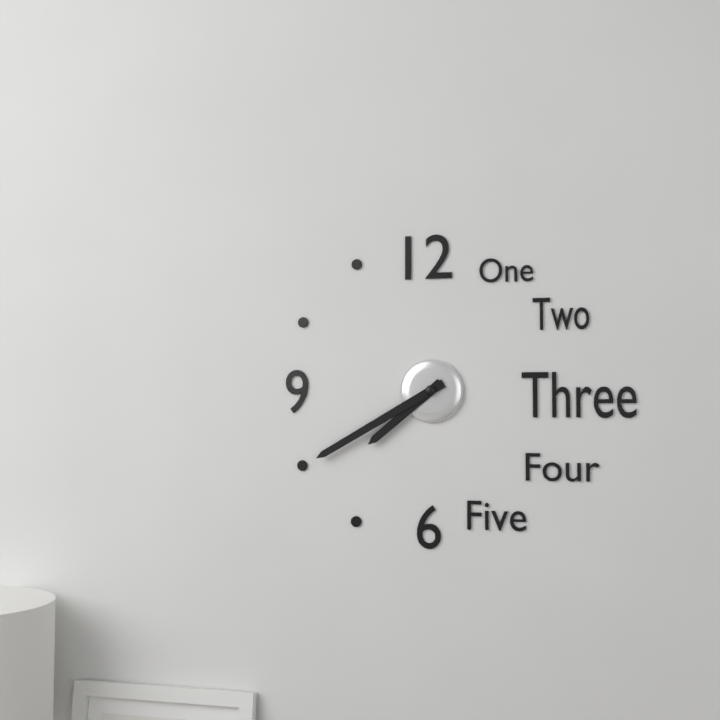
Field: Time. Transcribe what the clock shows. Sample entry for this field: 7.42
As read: 7.40
